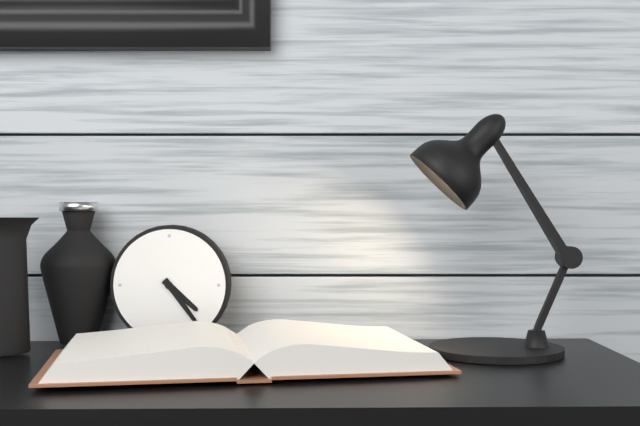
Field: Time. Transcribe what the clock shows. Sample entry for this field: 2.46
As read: 4.24
